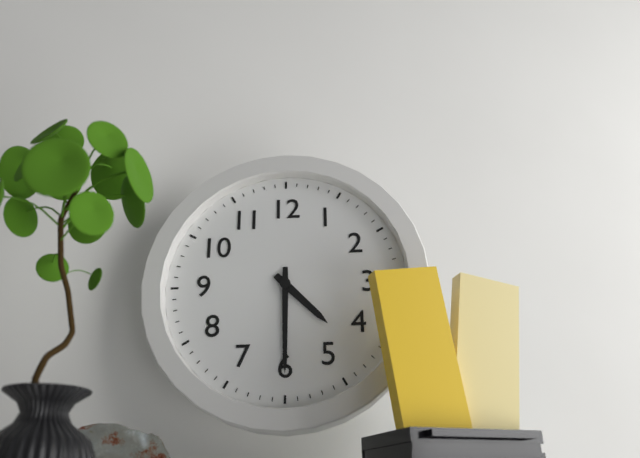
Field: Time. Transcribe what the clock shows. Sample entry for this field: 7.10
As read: 4.30
